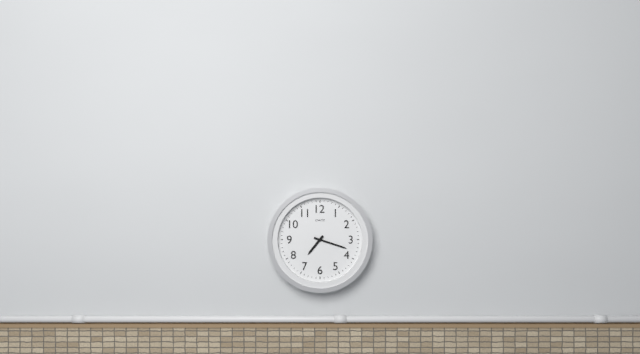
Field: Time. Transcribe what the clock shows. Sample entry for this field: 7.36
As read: 7.18
